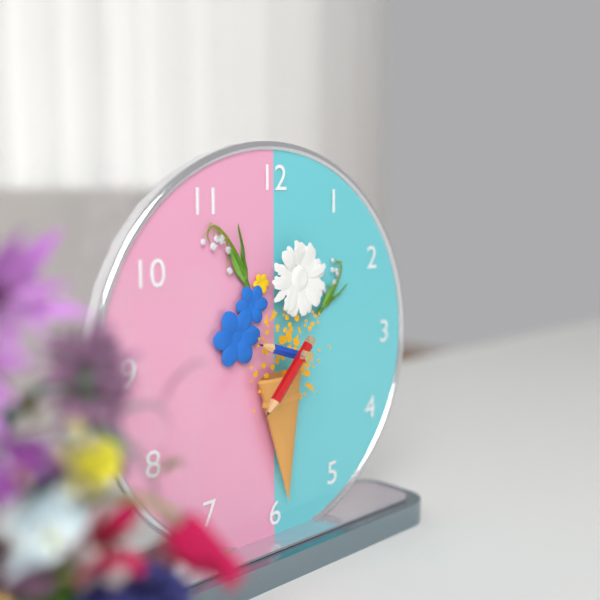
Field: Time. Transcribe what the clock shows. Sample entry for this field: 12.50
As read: 9.37
